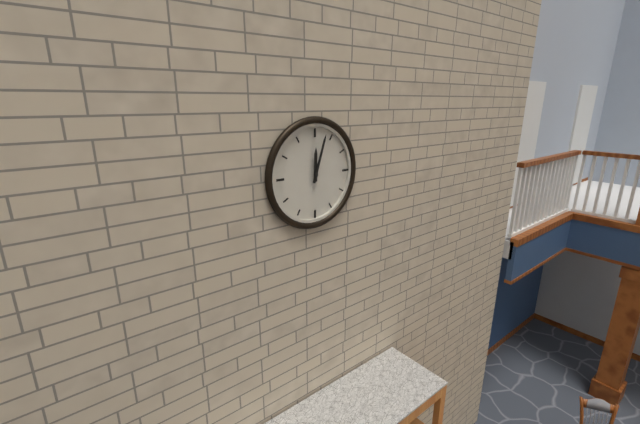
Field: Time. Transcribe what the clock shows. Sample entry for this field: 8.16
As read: 12.03
